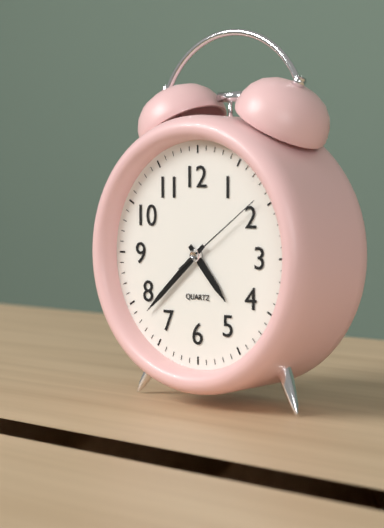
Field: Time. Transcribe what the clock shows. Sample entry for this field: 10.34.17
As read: 4.38.09
